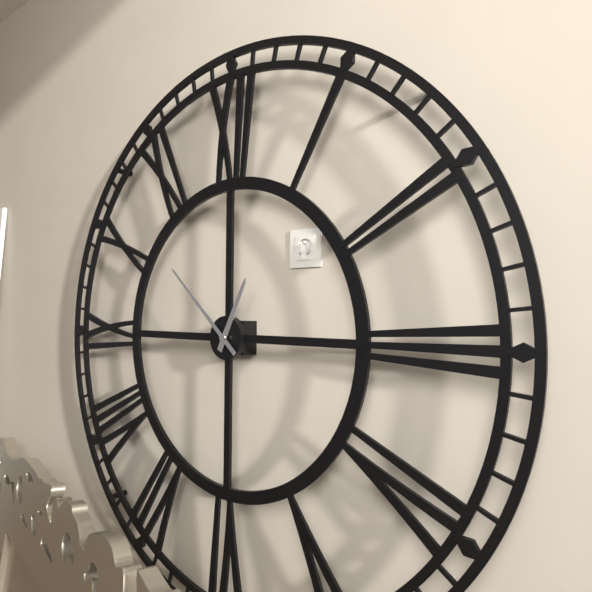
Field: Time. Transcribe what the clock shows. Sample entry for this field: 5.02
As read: 12.52
